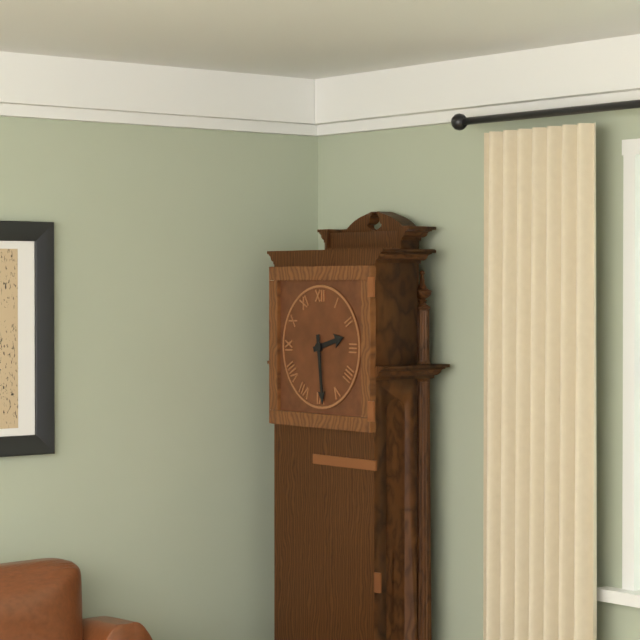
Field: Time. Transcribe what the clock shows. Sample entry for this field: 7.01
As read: 2.29
